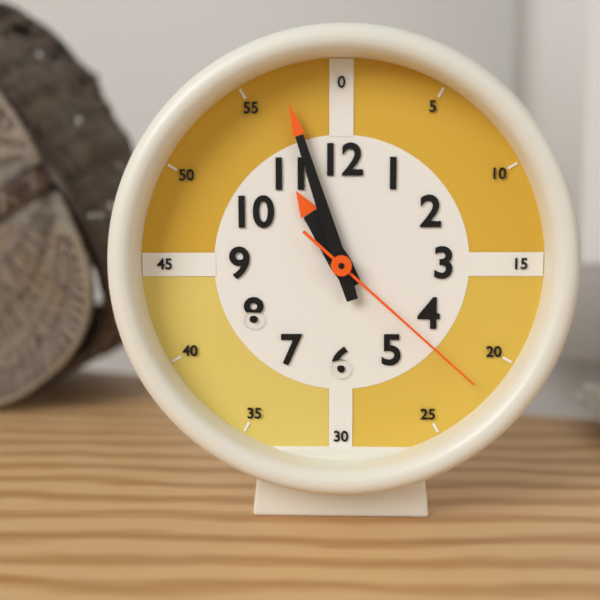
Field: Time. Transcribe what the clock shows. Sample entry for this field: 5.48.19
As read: 10.57.22
